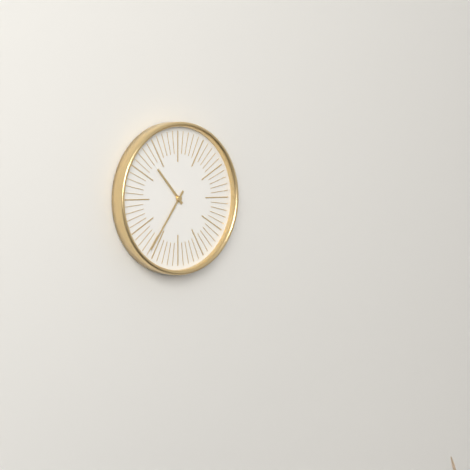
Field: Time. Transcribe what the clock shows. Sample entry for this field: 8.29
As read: 10.36
